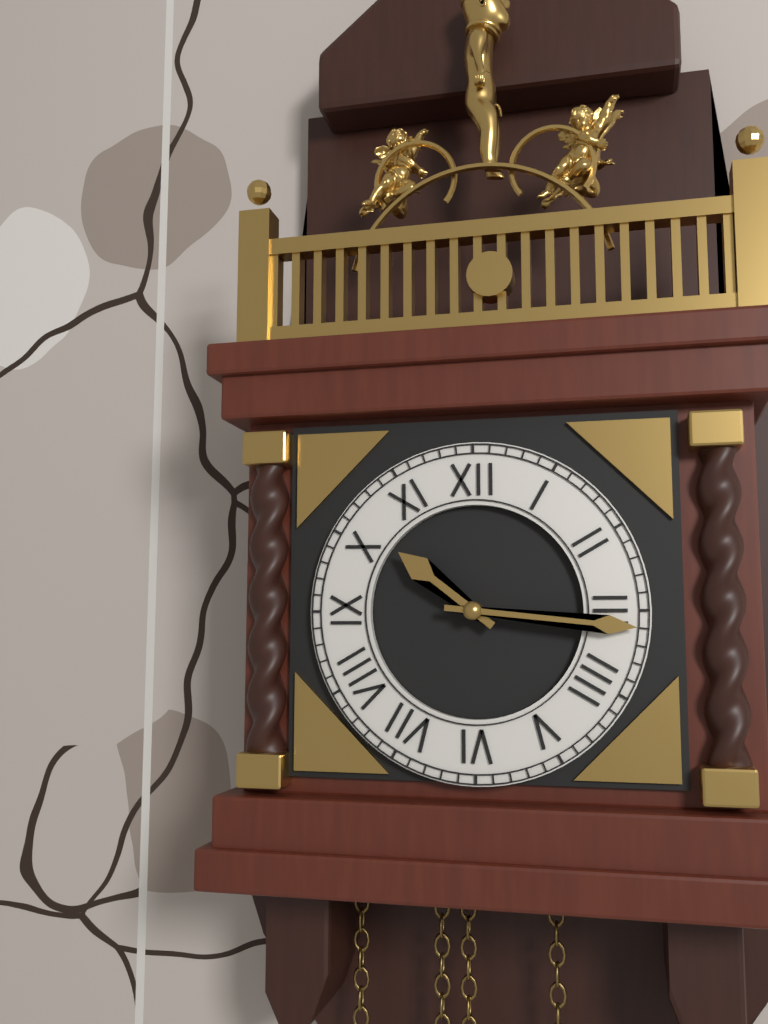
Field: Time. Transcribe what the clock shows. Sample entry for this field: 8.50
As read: 10.16
